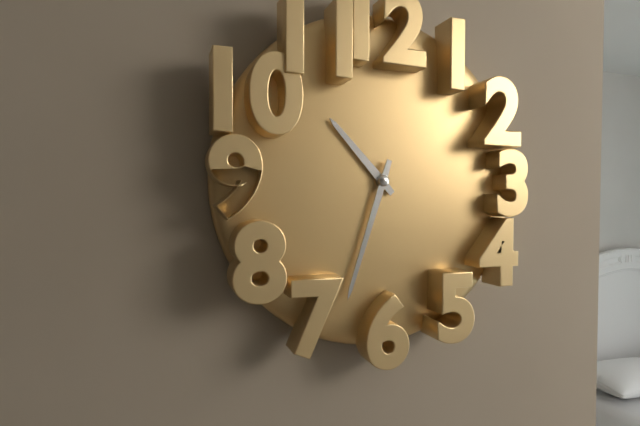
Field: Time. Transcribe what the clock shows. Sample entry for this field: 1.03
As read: 10.33
